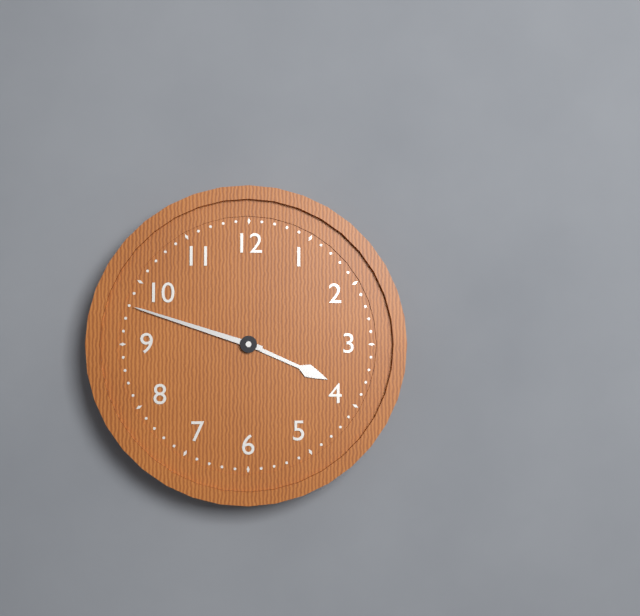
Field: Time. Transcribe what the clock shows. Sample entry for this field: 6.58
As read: 3.48
